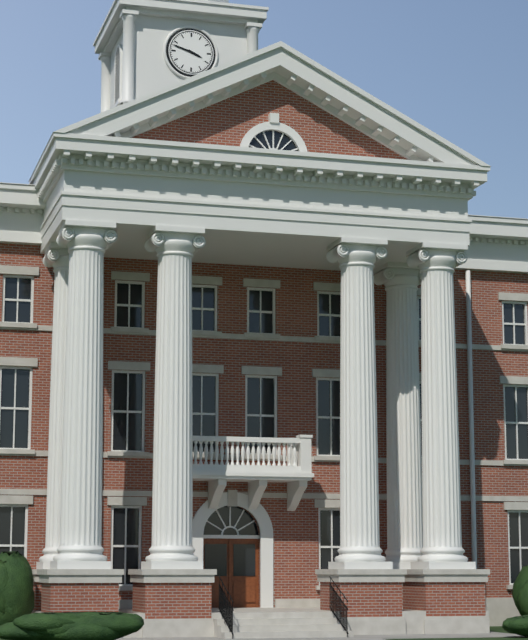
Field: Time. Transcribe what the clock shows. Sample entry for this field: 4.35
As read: 3.48
